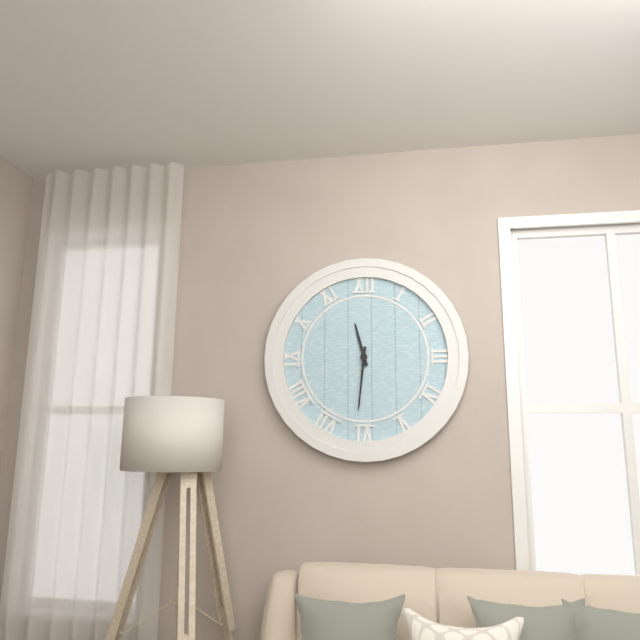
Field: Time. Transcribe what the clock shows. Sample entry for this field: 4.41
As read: 11.31
